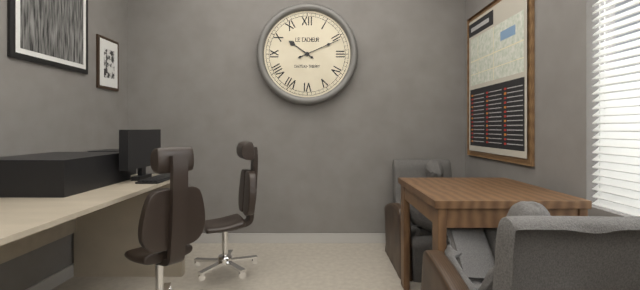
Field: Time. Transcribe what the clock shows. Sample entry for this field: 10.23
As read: 10.11
